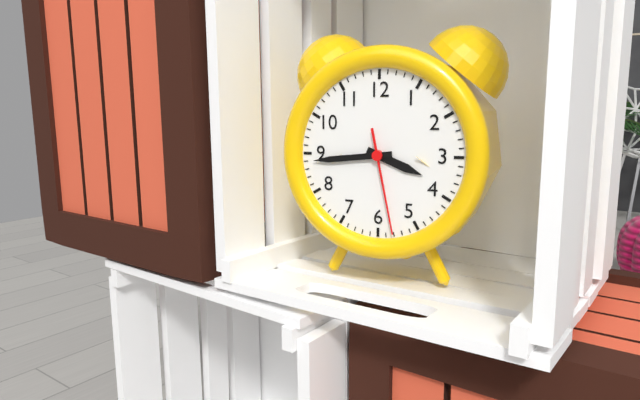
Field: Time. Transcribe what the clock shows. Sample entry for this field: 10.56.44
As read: 3.44.28
